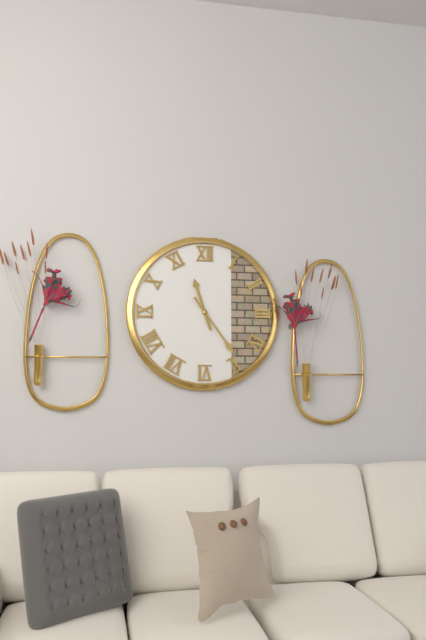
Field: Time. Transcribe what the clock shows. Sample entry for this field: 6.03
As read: 11.24
